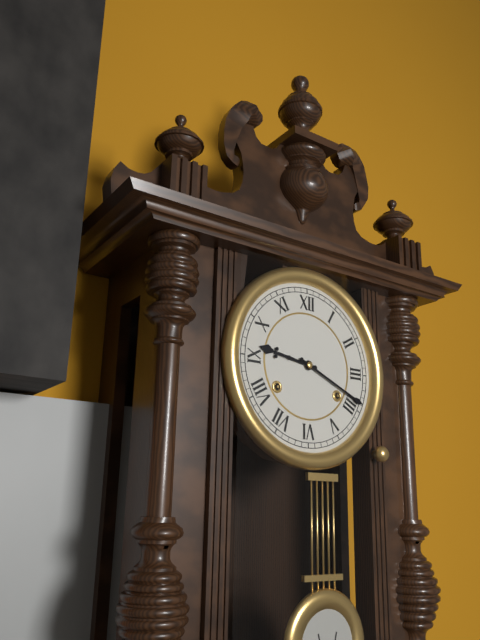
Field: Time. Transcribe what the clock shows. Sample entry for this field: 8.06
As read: 9.19
